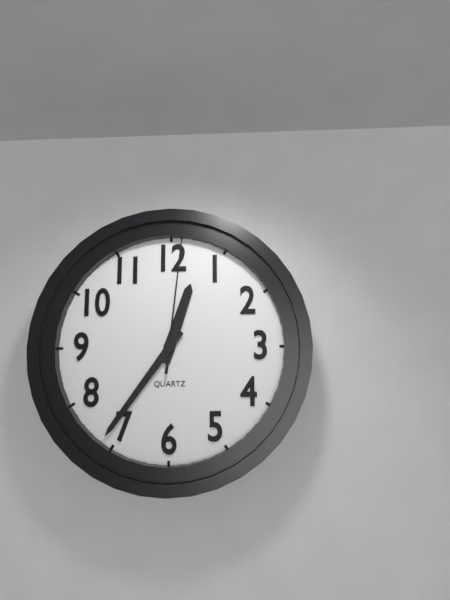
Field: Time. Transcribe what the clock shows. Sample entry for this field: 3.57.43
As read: 12.36.01
